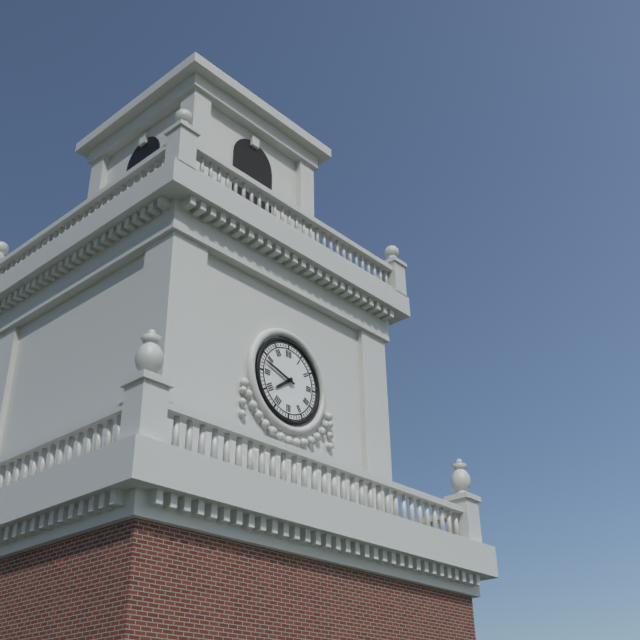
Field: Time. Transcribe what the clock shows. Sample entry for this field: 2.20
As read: 7.48
